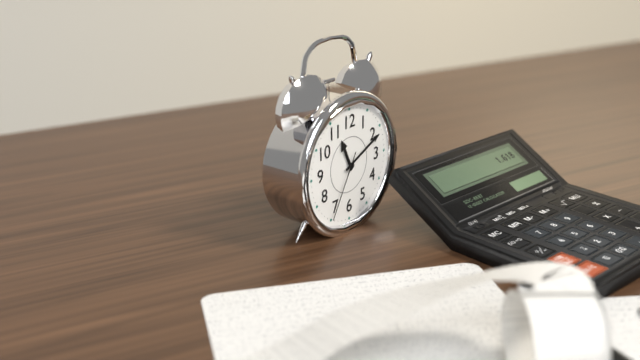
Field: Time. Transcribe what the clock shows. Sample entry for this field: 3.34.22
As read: 11.11.35
